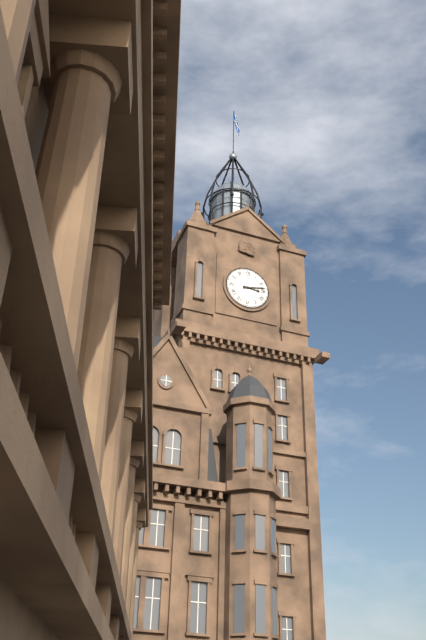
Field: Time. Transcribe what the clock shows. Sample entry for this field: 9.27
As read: 3.13
